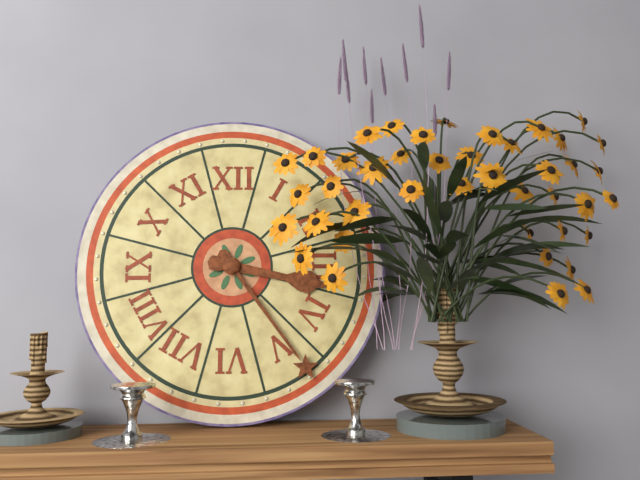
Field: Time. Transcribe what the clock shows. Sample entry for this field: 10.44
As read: 3.24
